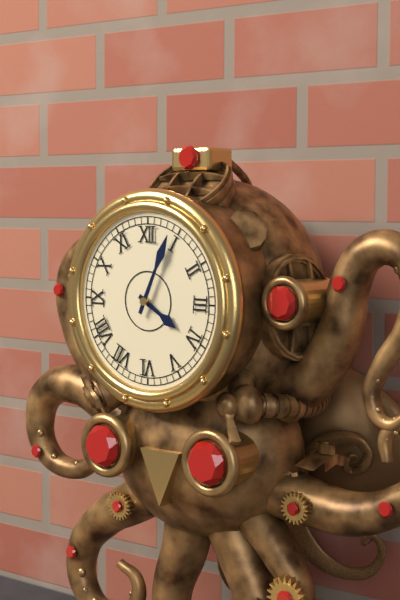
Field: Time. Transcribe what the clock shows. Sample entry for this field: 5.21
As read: 4.04
